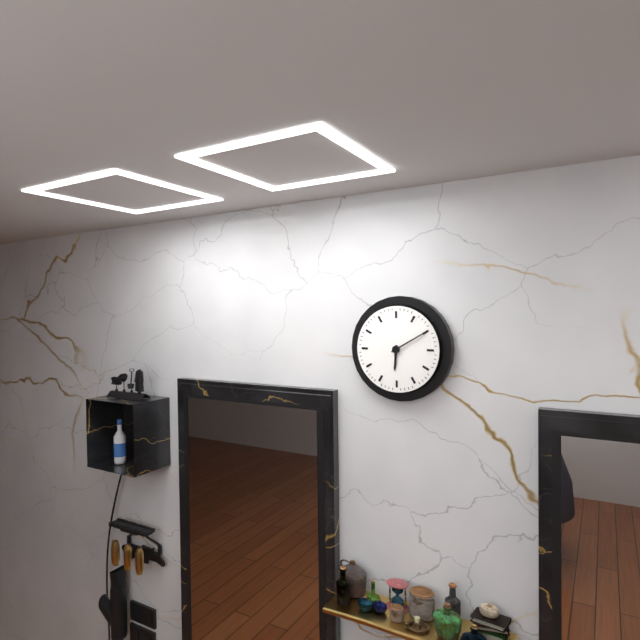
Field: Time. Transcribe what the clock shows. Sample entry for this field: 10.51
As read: 6.10
